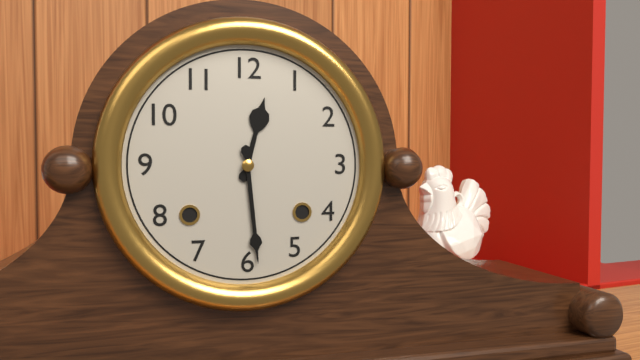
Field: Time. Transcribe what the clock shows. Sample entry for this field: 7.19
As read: 12.29
